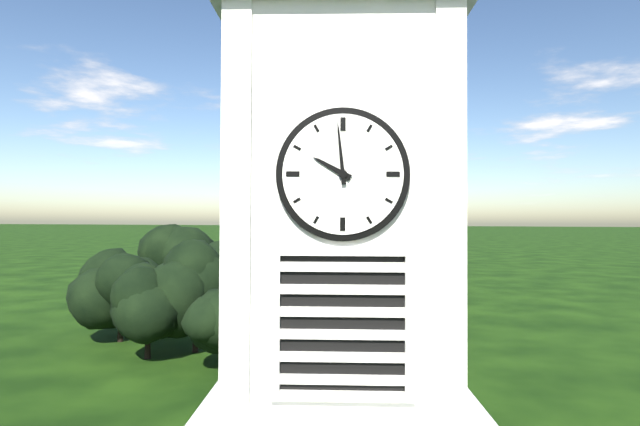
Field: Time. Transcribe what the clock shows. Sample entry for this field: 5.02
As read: 9.59
